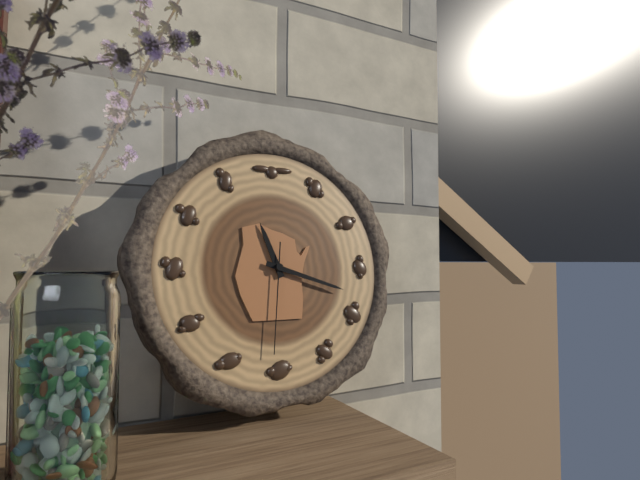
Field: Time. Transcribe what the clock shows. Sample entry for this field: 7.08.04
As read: 11.18.31
